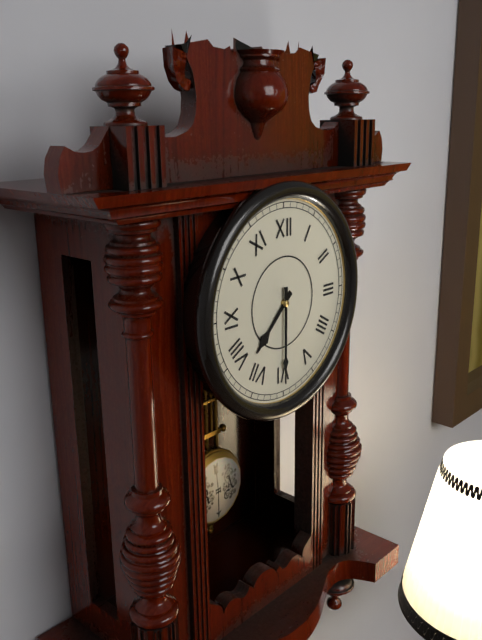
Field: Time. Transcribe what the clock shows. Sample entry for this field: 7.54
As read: 7.30
